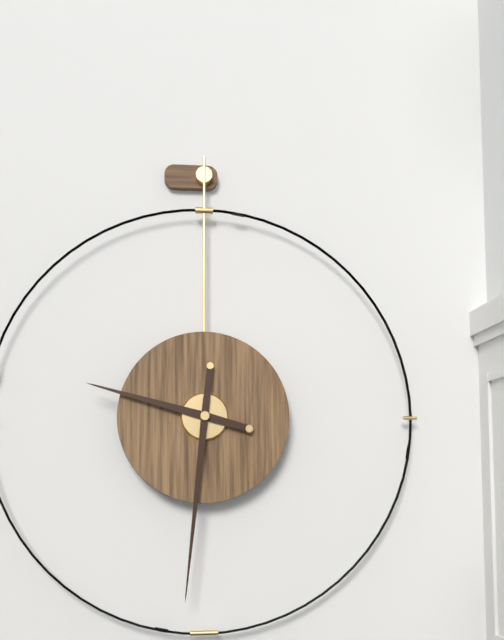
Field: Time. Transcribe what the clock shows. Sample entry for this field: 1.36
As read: 9.31
